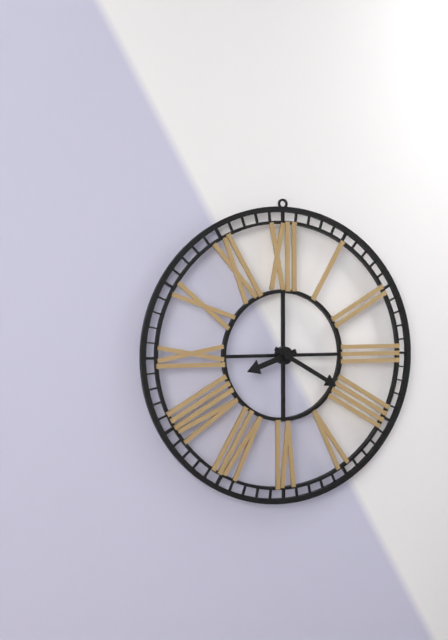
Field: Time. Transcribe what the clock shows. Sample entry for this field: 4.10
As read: 8.20
